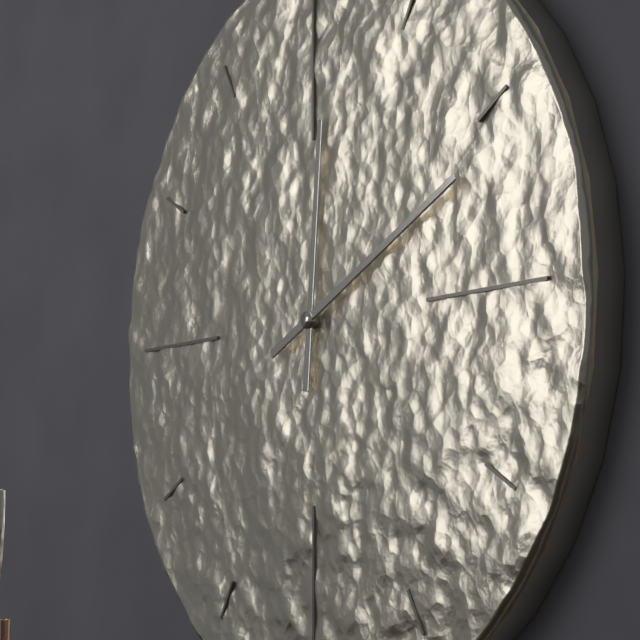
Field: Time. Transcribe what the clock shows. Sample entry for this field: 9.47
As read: 12.11
